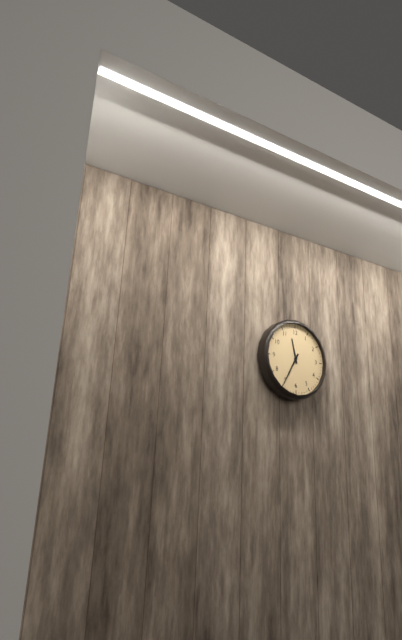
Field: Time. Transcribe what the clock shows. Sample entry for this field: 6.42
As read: 11.35
